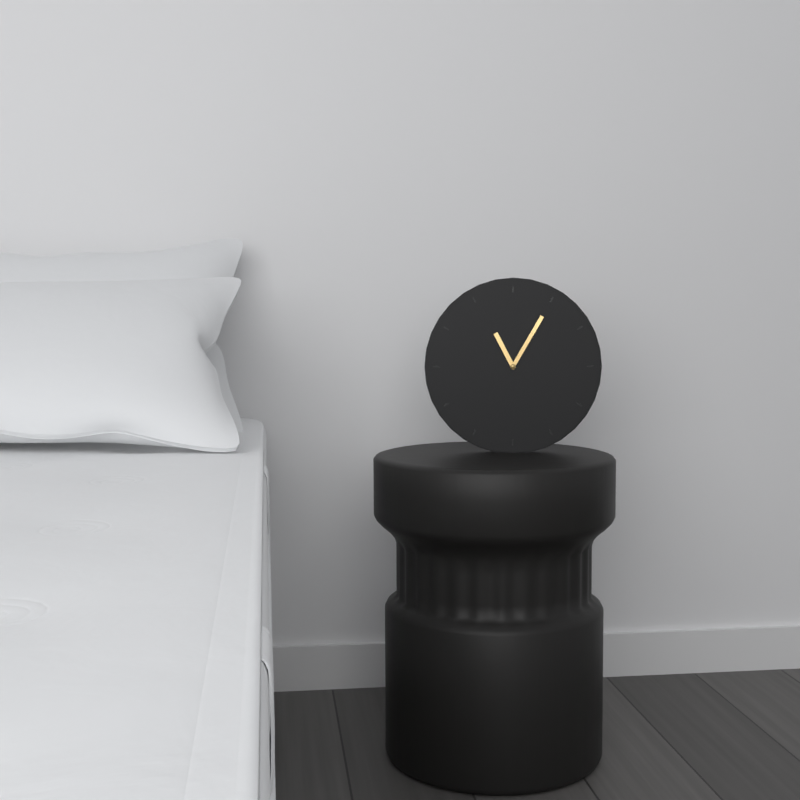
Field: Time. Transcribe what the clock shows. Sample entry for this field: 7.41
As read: 11.05
